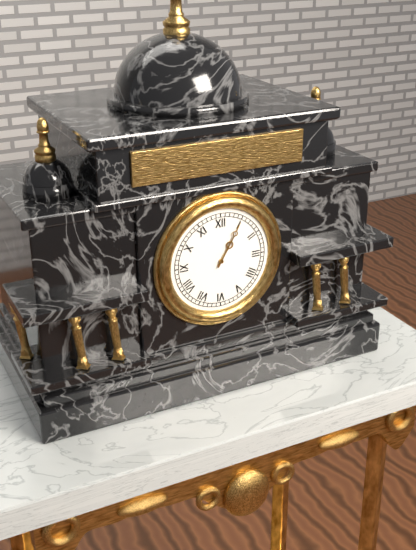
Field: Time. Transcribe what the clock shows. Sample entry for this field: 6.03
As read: 1.05
